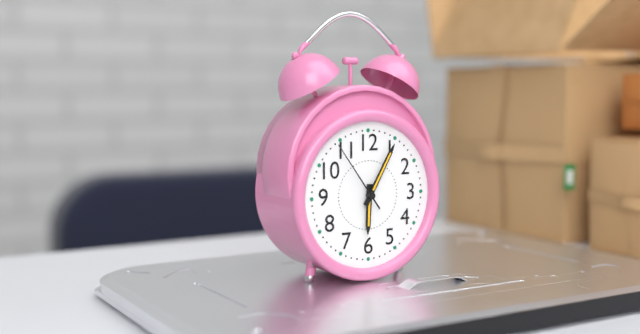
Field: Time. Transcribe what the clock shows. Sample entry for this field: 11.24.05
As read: 6.05.54
